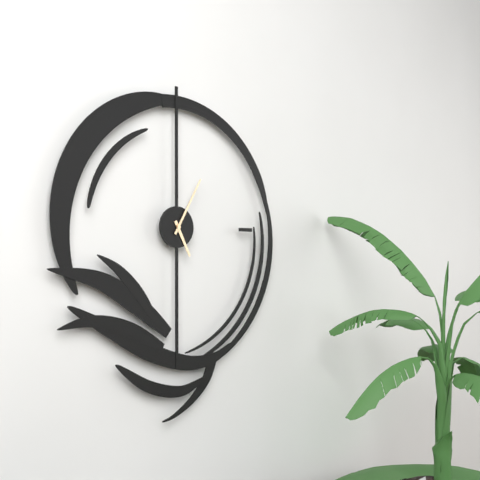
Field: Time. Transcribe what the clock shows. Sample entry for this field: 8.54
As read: 5.05
